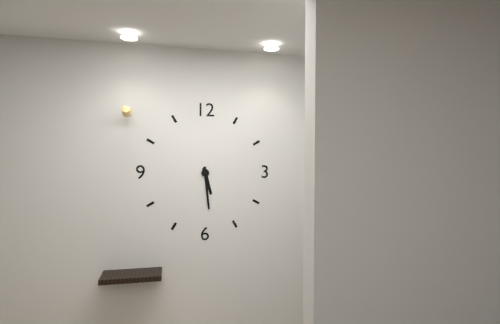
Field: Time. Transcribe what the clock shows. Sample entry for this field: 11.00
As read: 5.29
